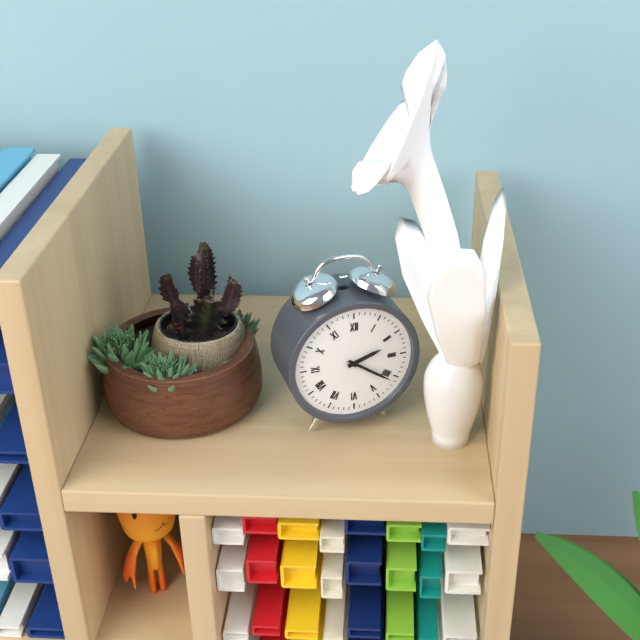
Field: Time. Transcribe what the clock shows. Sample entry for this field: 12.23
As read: 2.21
